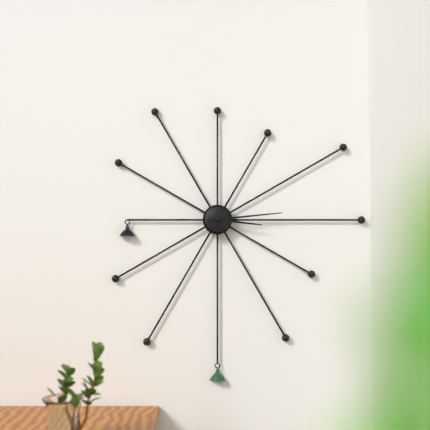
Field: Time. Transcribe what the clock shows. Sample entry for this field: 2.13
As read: 3.14
